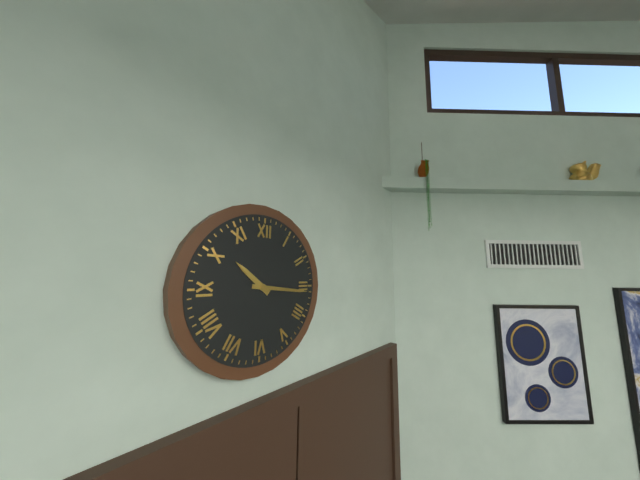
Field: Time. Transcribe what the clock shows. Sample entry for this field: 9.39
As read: 10.16
